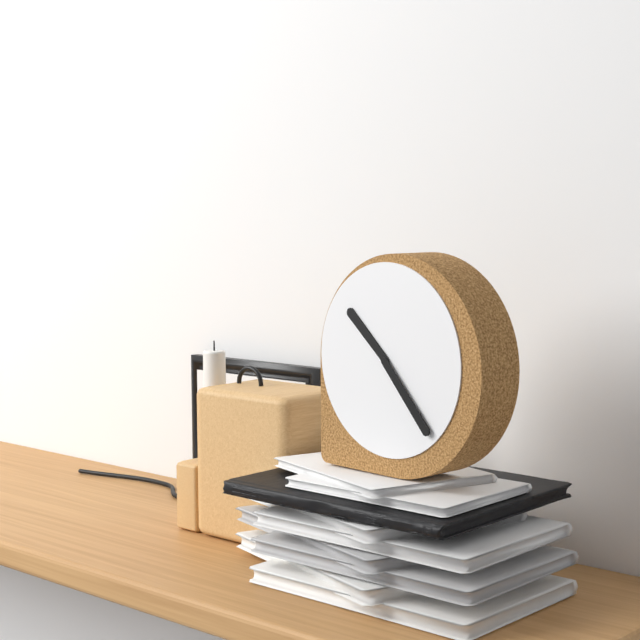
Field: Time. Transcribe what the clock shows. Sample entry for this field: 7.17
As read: 10.23
